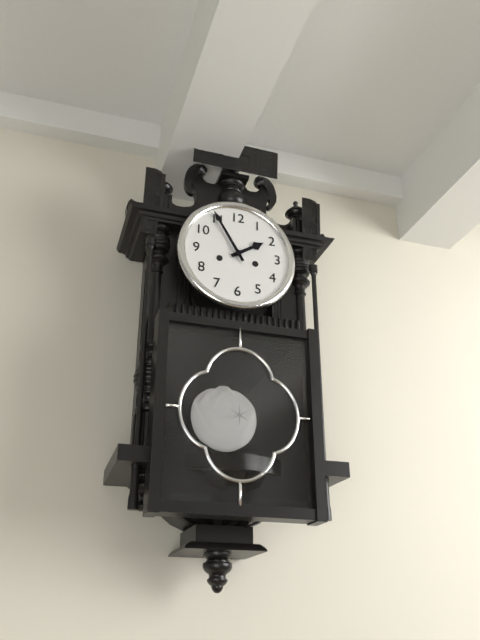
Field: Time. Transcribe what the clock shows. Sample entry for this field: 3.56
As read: 1.55
